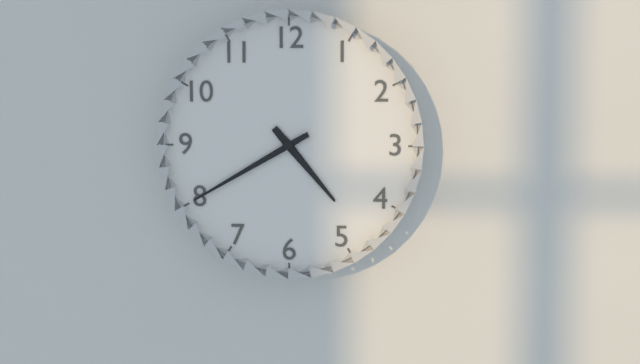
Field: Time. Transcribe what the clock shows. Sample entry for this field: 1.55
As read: 4.40
